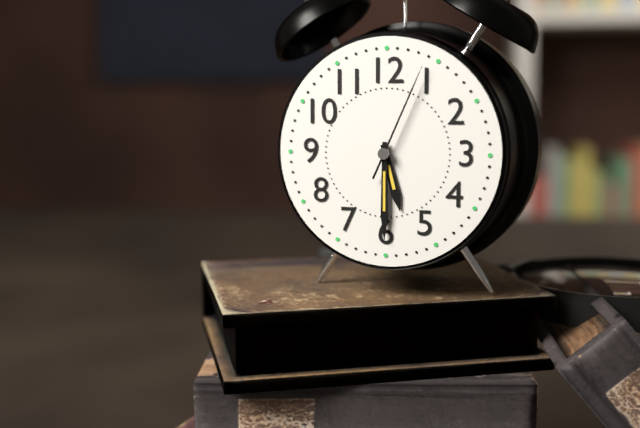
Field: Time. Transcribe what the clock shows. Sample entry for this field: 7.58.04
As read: 5.30.04
